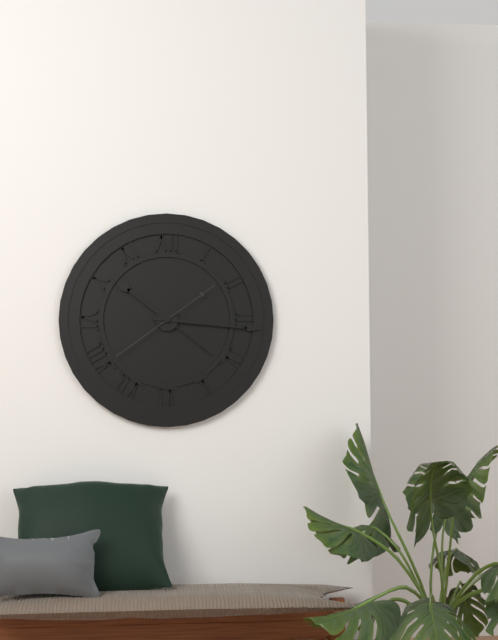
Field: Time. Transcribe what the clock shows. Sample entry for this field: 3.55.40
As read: 10.16.39
